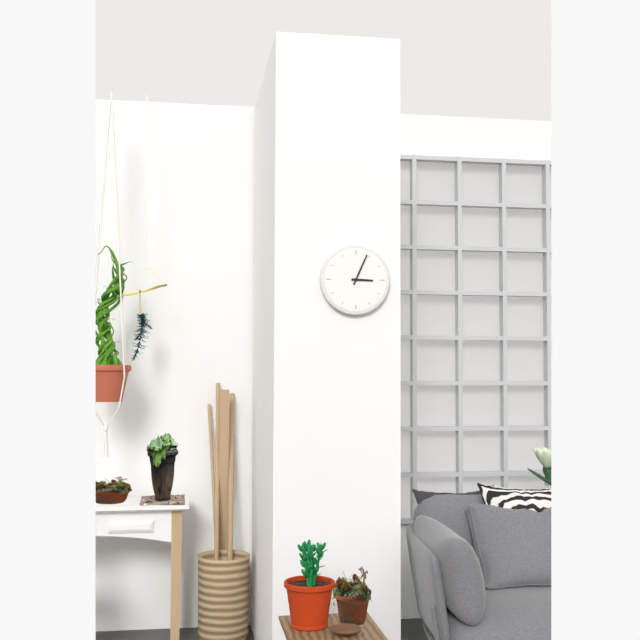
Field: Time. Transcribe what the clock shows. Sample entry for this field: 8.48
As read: 3.04
